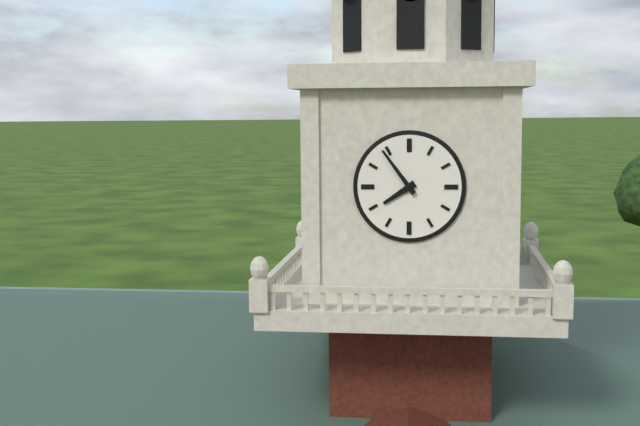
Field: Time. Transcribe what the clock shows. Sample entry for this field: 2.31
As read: 7.54
